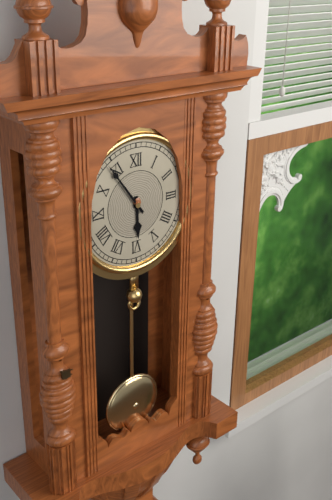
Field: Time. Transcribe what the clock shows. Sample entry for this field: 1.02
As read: 5.54
